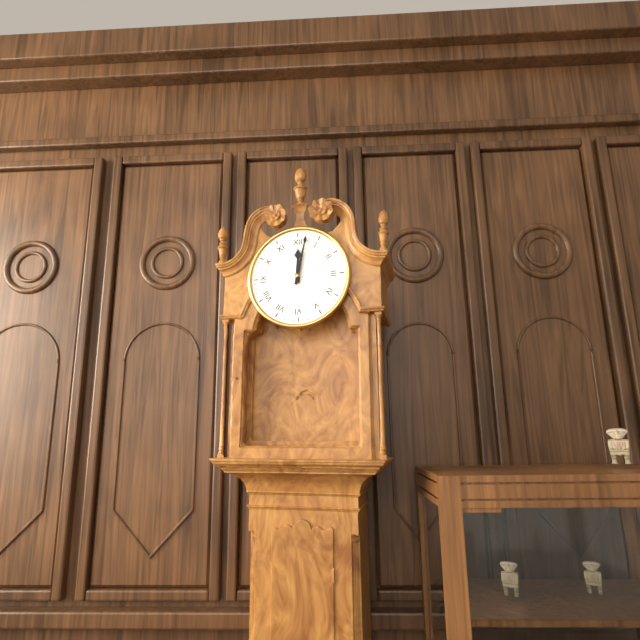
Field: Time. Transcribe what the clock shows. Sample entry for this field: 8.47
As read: 12.02
